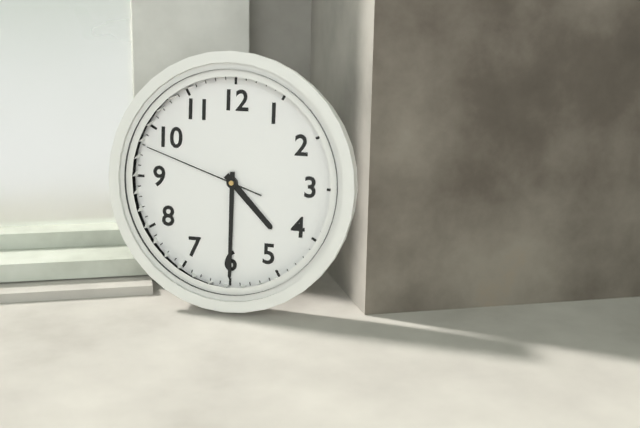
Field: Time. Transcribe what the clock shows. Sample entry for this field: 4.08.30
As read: 4.30.48
